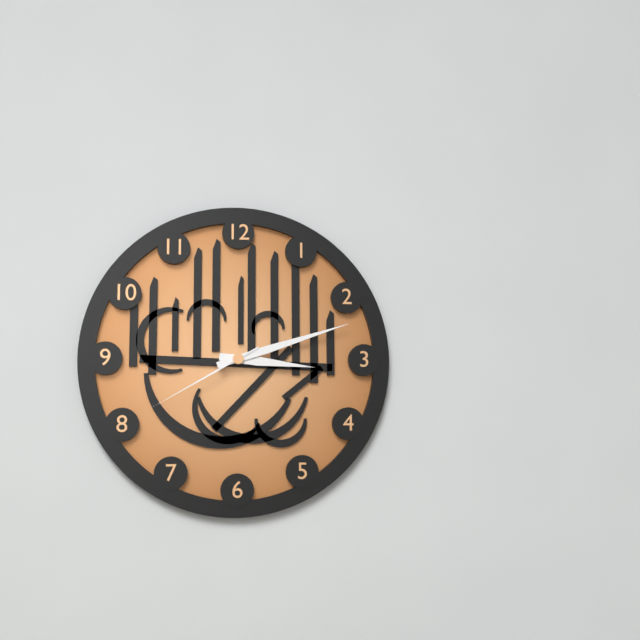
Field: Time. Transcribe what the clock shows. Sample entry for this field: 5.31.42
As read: 3.12.40
